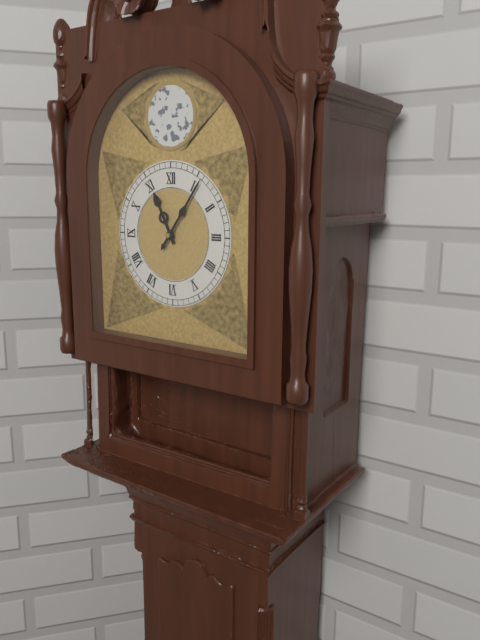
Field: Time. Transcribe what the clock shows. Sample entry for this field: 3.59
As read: 11.06
